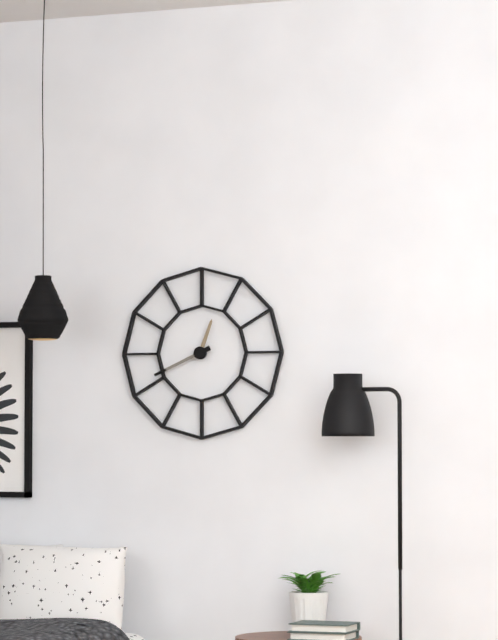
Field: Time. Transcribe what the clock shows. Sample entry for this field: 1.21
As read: 12.41
